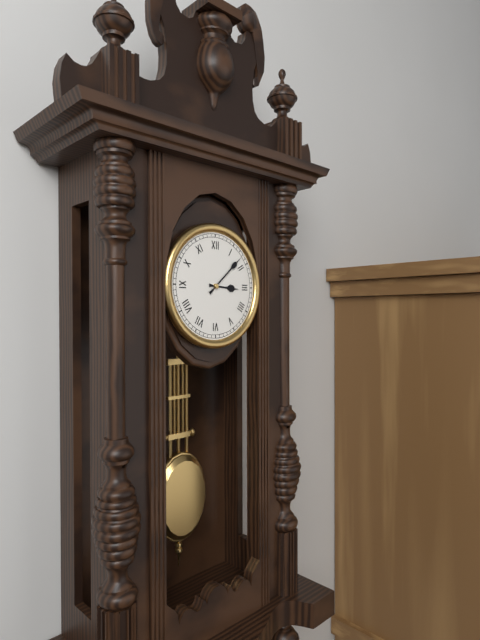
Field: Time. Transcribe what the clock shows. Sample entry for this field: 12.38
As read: 3.08
